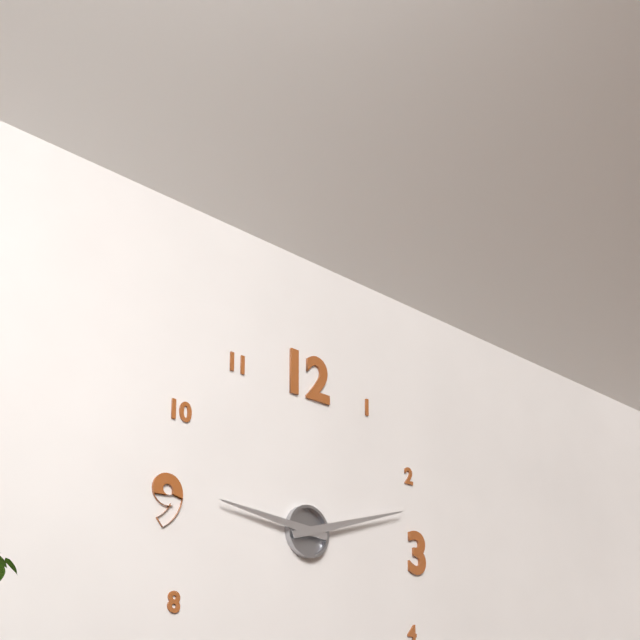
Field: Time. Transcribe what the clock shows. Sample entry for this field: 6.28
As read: 9.12
